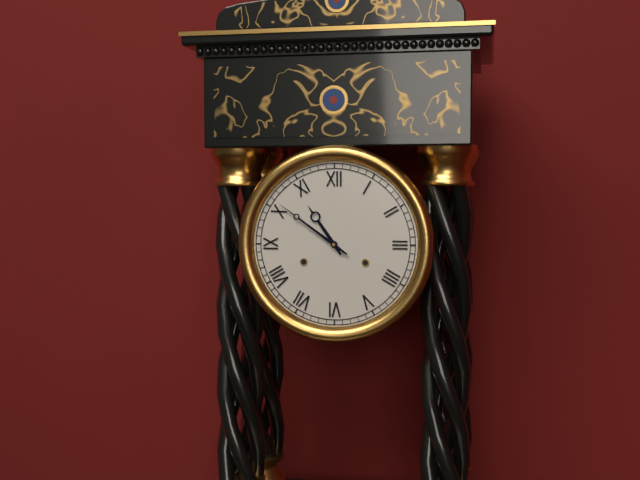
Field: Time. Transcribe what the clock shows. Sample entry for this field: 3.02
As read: 10.51
